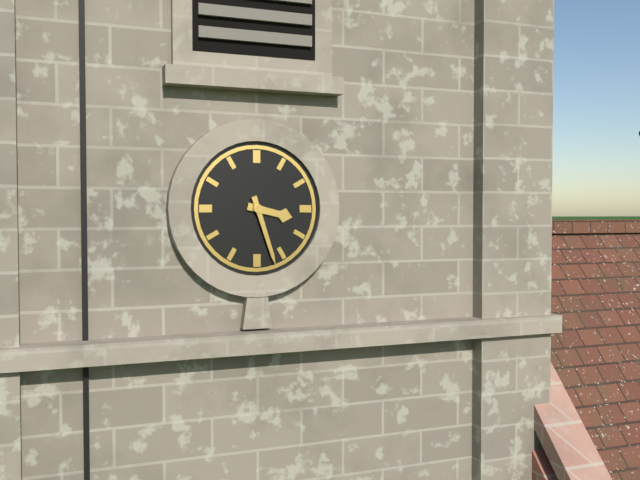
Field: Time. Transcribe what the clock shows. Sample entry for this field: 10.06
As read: 3.27
